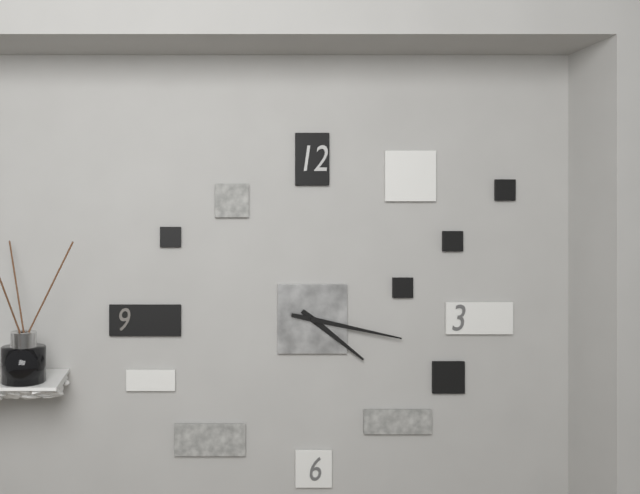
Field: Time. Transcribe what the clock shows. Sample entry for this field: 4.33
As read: 4.17
